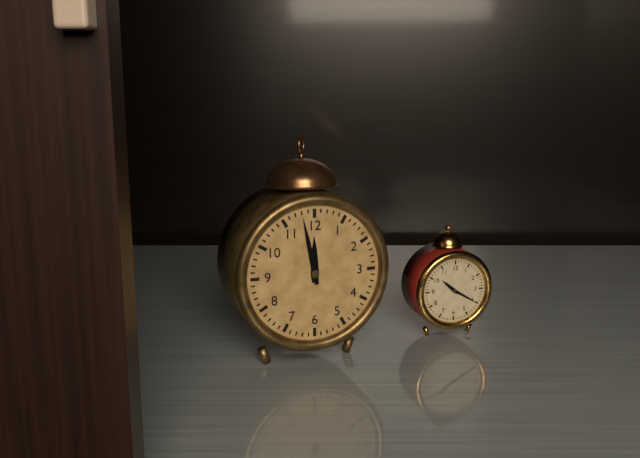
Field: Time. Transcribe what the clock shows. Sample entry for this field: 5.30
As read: 11.58
